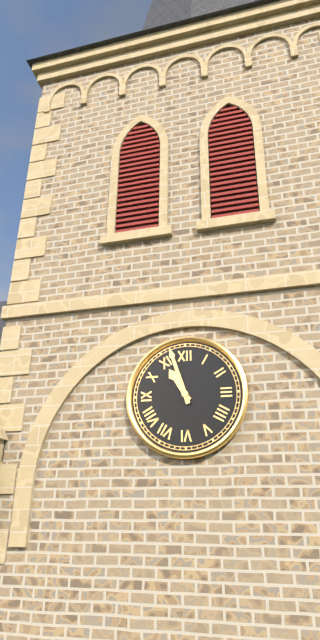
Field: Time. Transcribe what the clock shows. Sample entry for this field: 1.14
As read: 10.57
